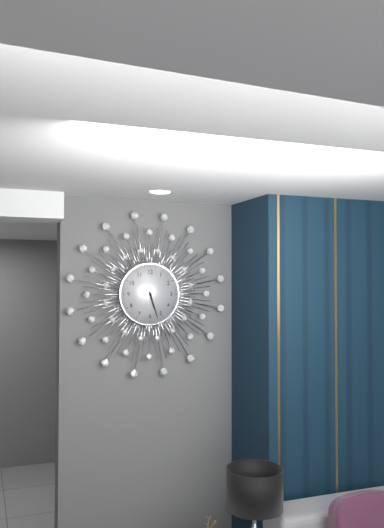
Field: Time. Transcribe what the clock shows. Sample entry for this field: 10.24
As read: 5.27
